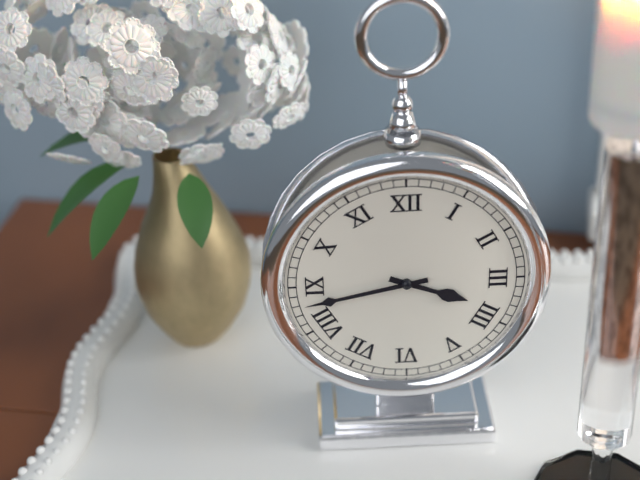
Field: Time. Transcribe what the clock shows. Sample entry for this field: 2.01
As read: 3.43
